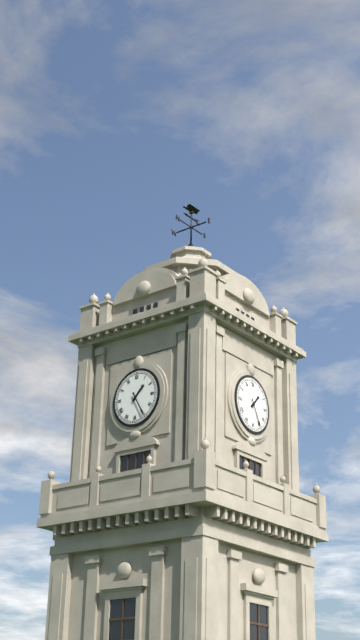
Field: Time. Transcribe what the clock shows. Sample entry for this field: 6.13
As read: 1.25
